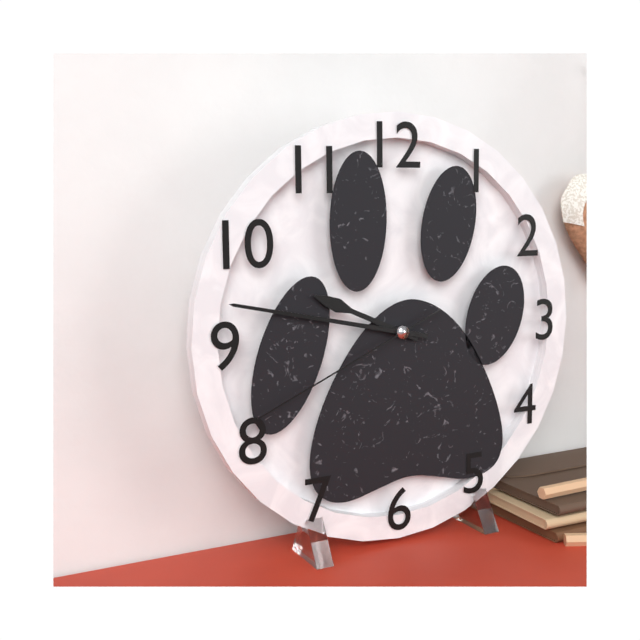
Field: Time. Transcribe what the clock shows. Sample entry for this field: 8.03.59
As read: 9.47.41
